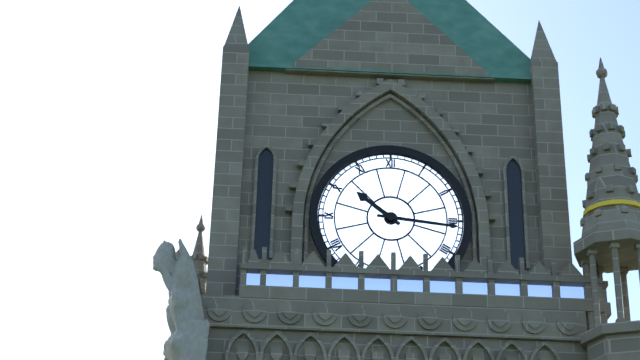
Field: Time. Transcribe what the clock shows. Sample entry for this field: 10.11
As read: 10.16
